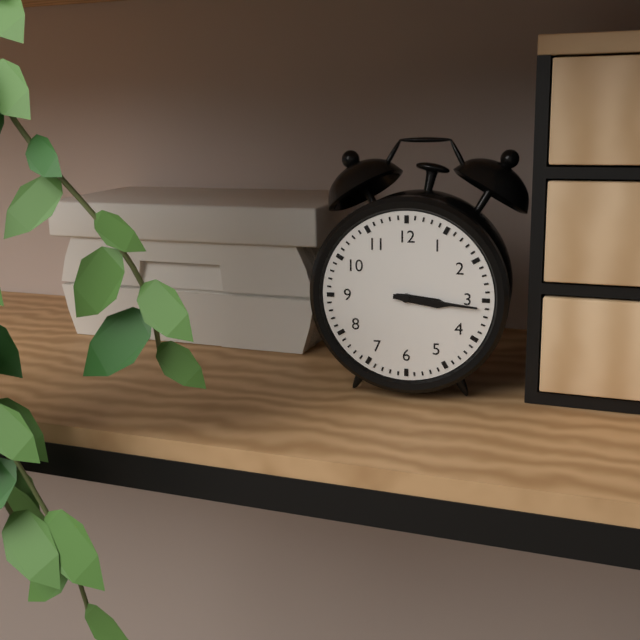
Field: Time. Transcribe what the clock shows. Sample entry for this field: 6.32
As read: 3.16
